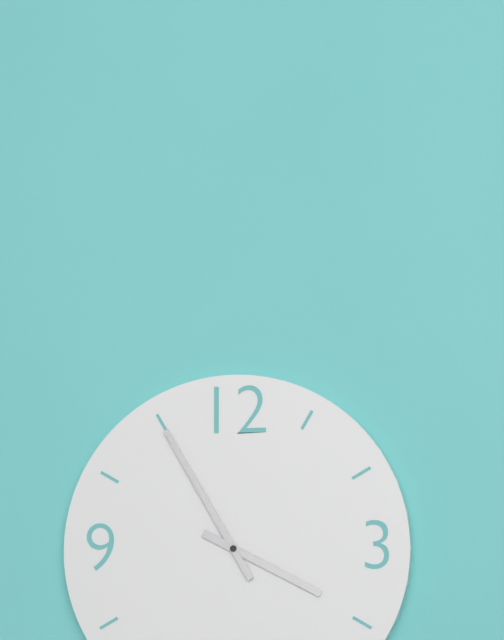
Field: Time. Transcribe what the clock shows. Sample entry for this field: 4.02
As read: 3.55
